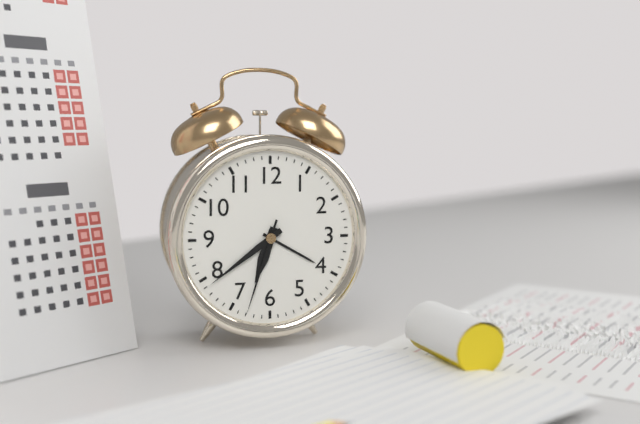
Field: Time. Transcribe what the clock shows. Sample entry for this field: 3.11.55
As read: 6.39.33
